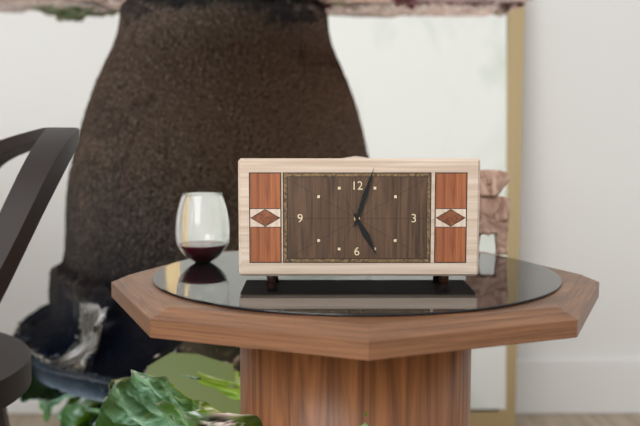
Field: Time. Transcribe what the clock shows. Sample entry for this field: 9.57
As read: 5.03
